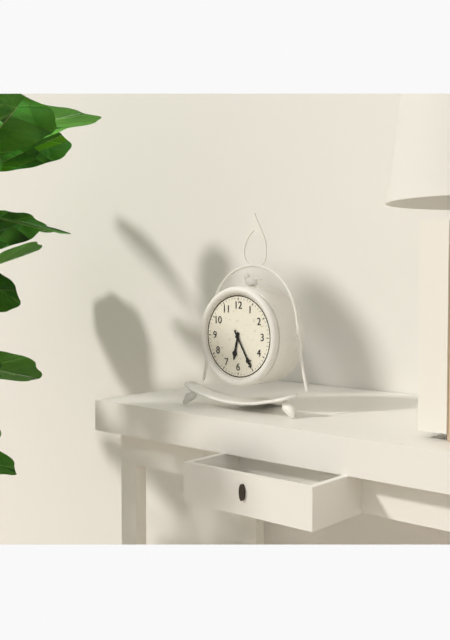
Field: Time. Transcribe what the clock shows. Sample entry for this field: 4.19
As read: 6.25
